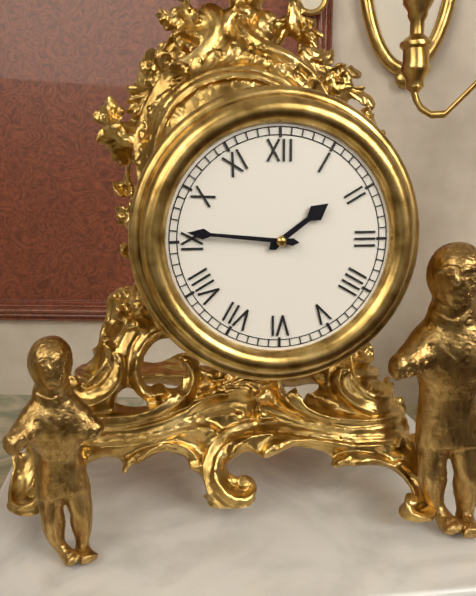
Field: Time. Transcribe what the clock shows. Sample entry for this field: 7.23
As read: 1.46
